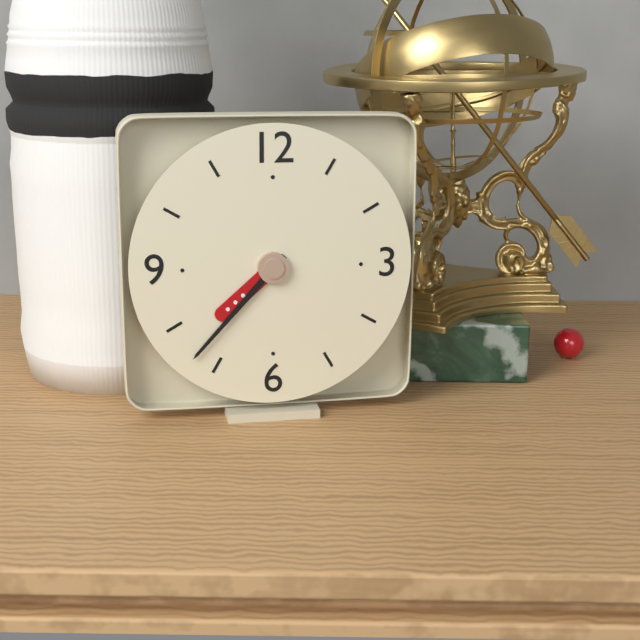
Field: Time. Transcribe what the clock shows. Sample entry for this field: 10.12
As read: 7.37
